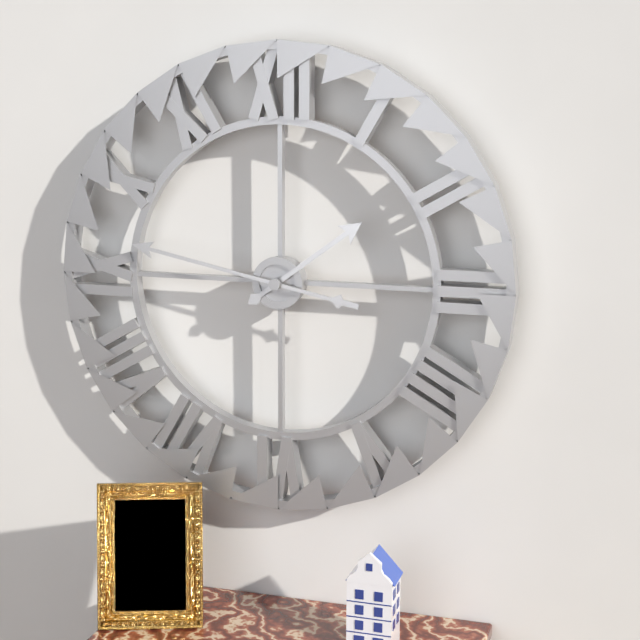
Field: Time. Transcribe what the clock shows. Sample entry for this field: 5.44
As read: 1.47
